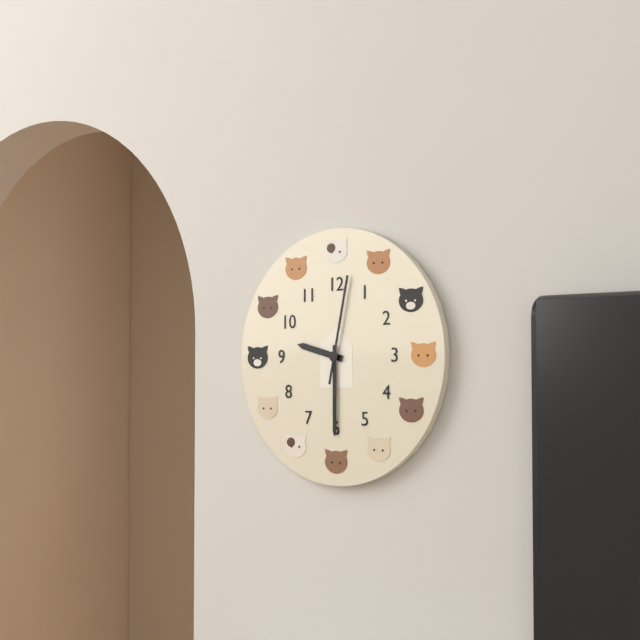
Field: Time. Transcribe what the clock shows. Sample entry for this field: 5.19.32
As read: 9.30.02
